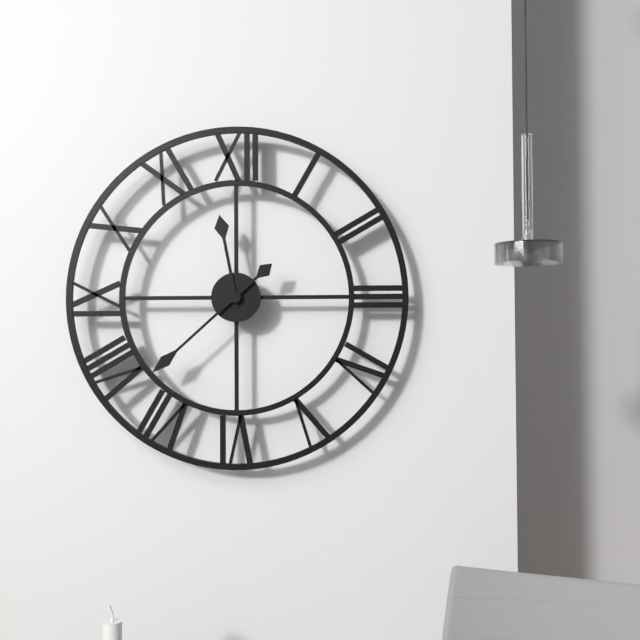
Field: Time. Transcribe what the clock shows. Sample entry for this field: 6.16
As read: 11.38
